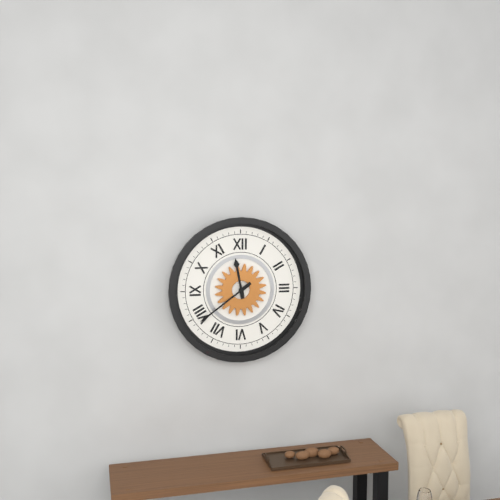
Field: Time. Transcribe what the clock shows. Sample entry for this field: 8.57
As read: 11.39
